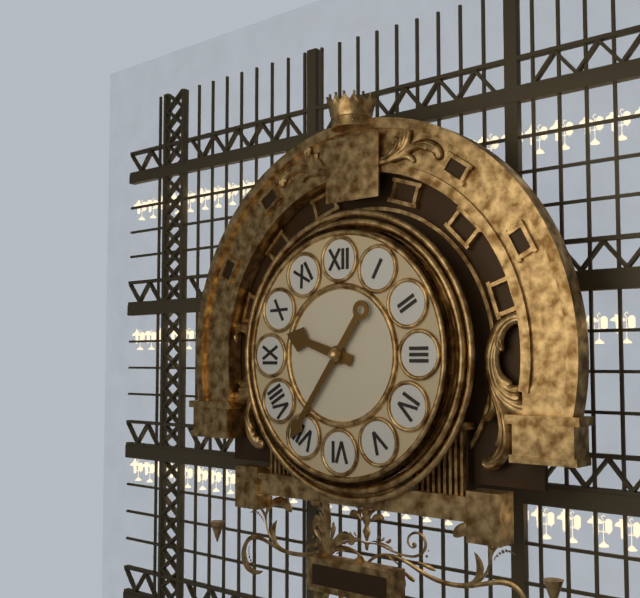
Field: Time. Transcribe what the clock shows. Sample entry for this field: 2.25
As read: 9.36
